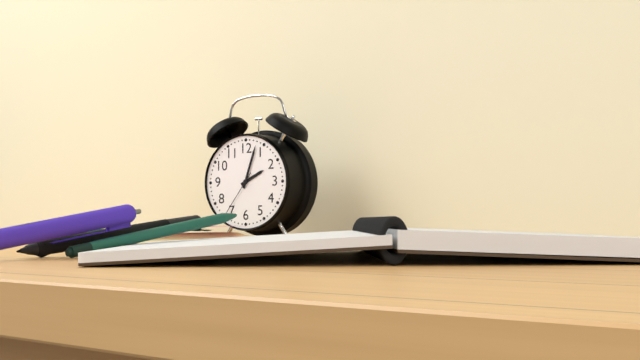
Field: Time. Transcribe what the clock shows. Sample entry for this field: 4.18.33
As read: 2.03.36
